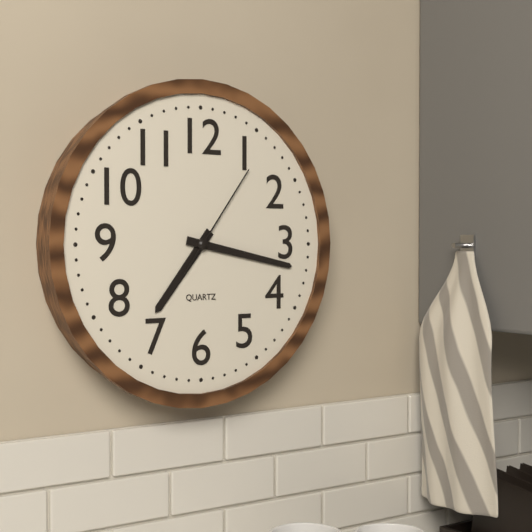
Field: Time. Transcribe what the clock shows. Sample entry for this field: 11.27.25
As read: 7.17.06
